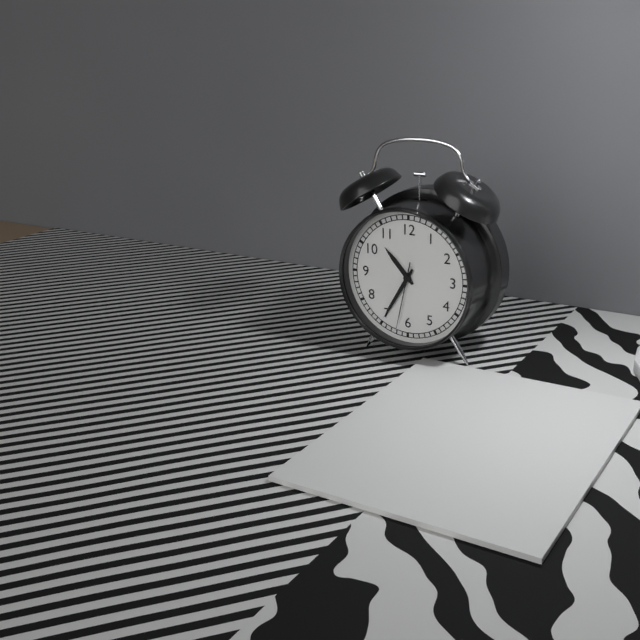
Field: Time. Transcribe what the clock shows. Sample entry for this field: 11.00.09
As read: 10.35.32
